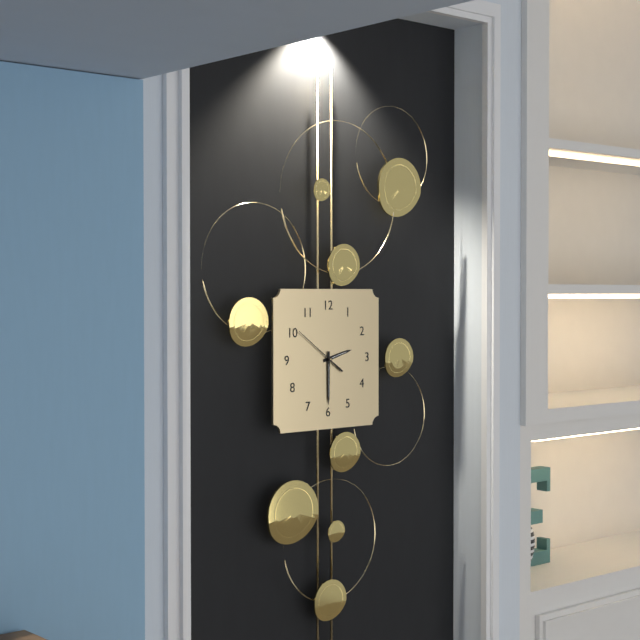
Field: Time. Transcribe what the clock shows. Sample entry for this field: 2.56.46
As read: 2.30.51
